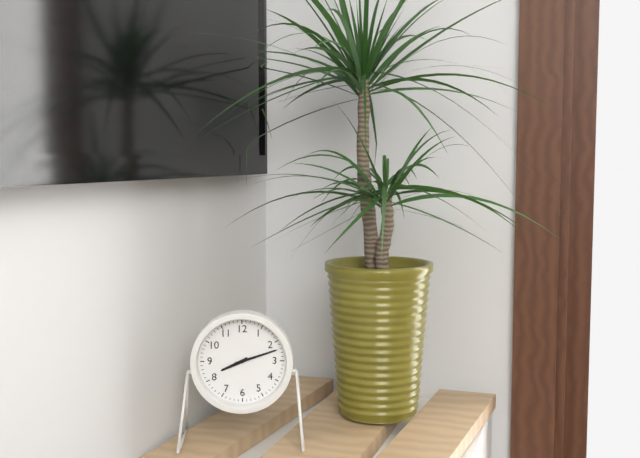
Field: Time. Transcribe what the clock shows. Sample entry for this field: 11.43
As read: 8.12
